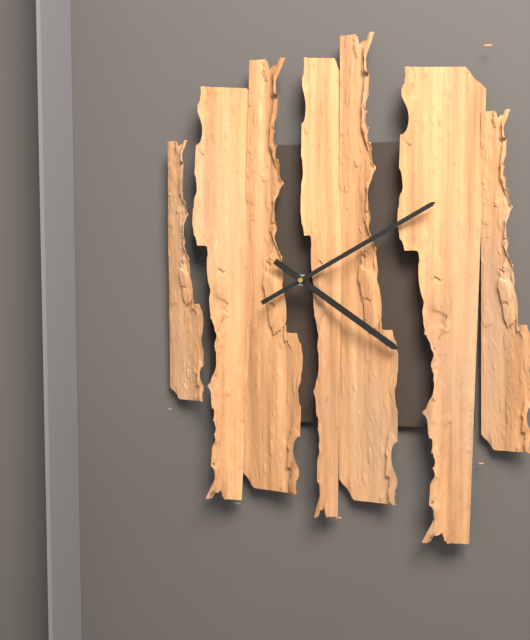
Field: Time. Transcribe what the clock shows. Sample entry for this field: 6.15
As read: 4.10
